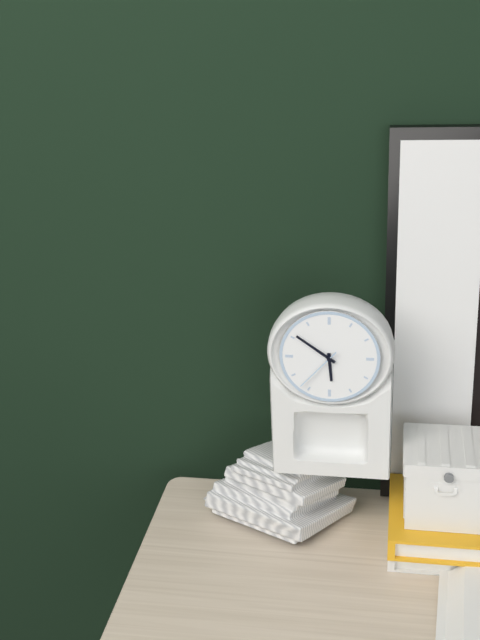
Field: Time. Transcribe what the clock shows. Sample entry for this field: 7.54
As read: 5.51
